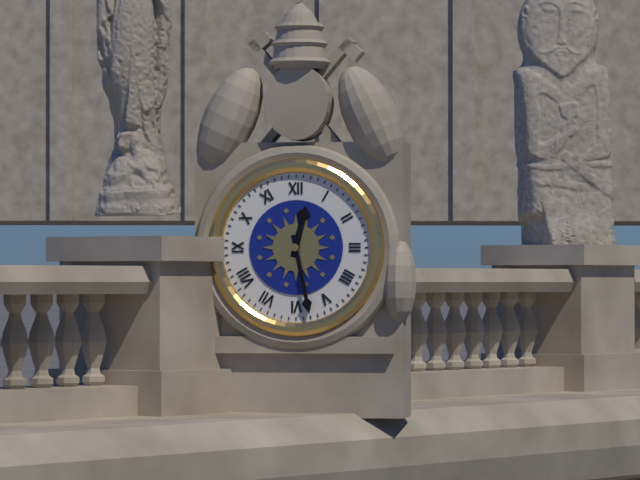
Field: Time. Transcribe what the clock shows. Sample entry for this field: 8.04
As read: 12.28
